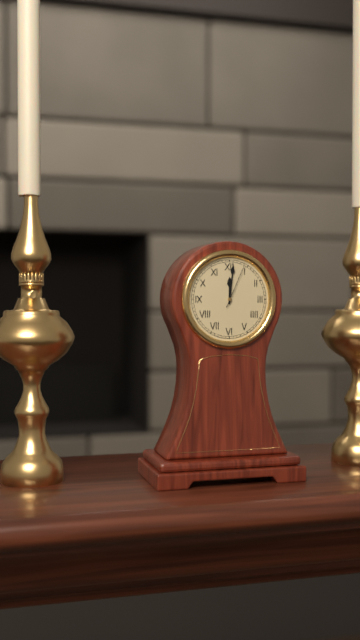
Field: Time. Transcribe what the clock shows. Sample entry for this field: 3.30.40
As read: 12.01.04
